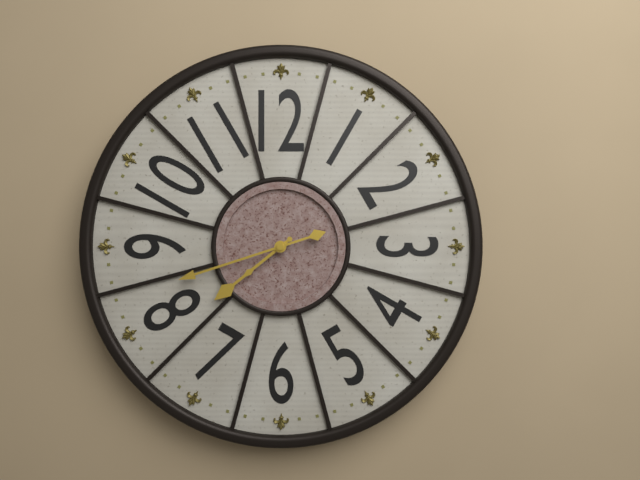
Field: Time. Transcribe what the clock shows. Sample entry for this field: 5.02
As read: 7.42
